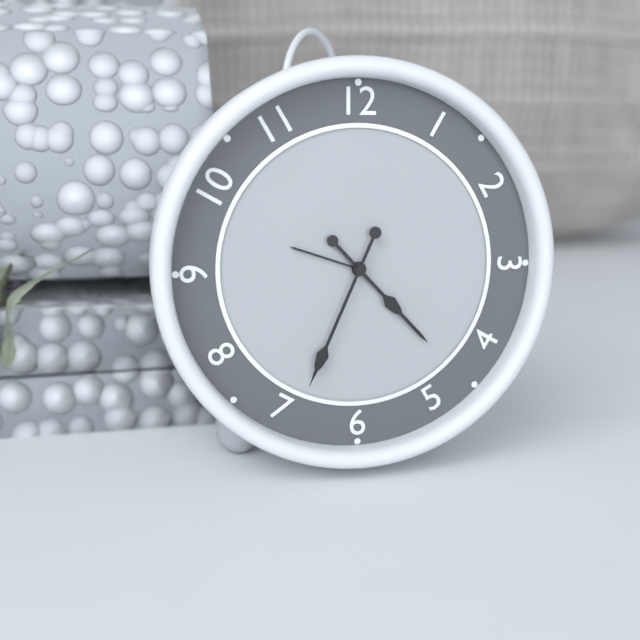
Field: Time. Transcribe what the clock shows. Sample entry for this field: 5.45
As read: 4.34
